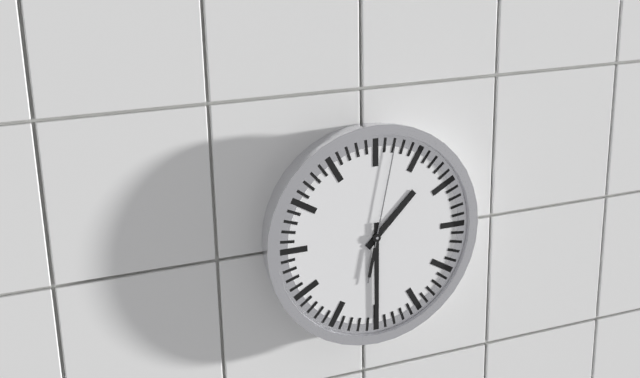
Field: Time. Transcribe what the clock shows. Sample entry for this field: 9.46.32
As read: 1.30.02
